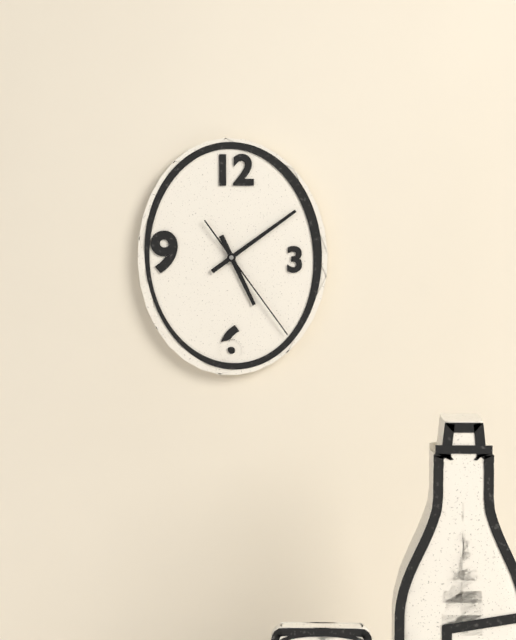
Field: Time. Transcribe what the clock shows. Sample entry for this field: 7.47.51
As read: 5.09.24
